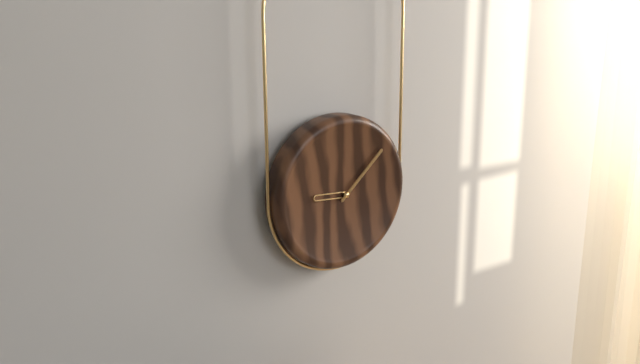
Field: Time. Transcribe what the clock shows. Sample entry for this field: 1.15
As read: 9.08
